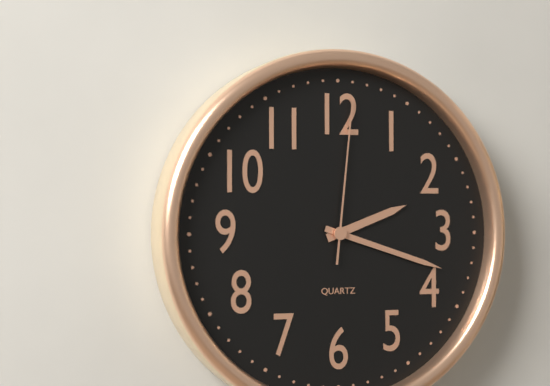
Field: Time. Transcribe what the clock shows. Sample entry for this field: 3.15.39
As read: 2.18.01
